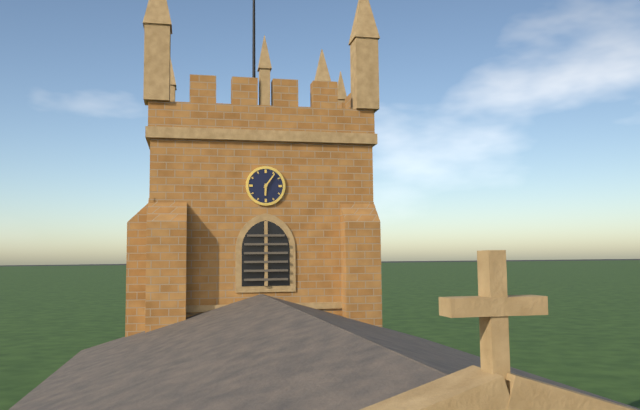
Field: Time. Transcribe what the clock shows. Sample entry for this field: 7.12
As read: 6.06
